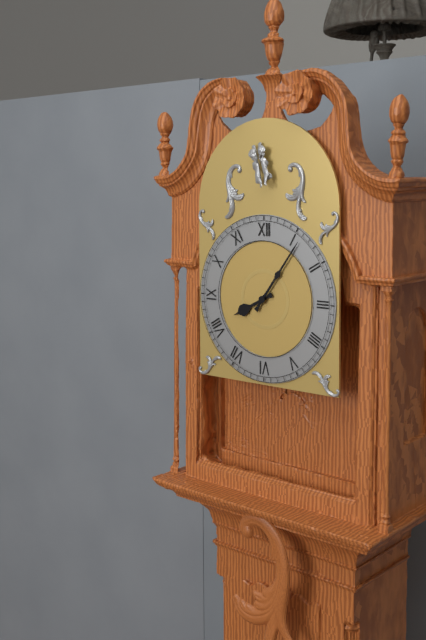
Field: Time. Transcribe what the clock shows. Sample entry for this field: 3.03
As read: 8.06
